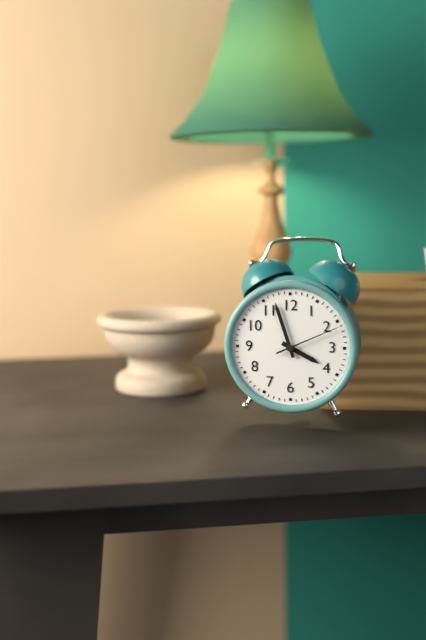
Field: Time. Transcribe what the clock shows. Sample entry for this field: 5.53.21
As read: 3.57.11
